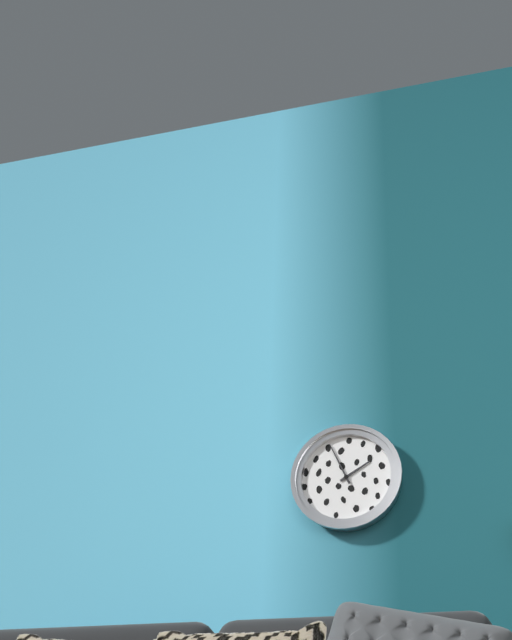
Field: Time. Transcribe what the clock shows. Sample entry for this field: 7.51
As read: 1.56
